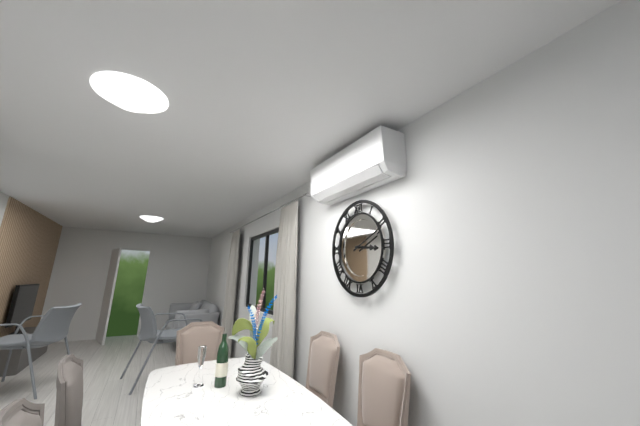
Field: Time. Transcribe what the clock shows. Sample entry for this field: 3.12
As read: 3.11
